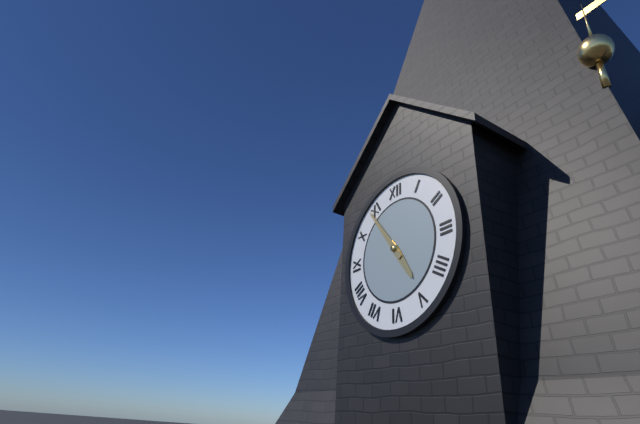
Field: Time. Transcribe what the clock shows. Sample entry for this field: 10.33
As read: 4.54
